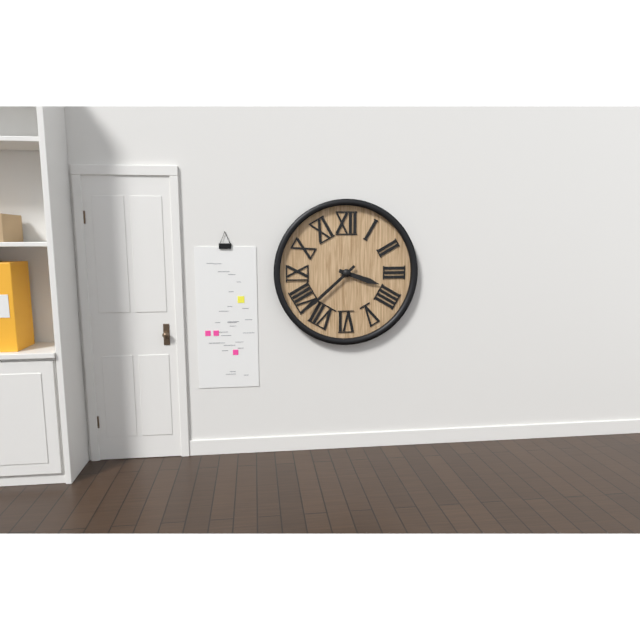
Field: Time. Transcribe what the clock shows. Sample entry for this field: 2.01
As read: 3.38
